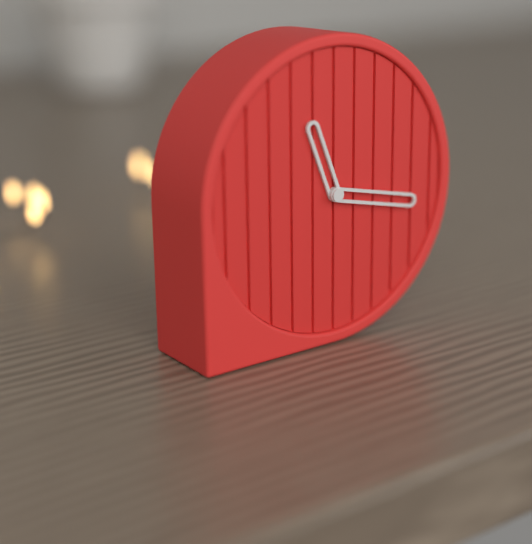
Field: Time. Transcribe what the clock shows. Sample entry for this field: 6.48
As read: 11.17
